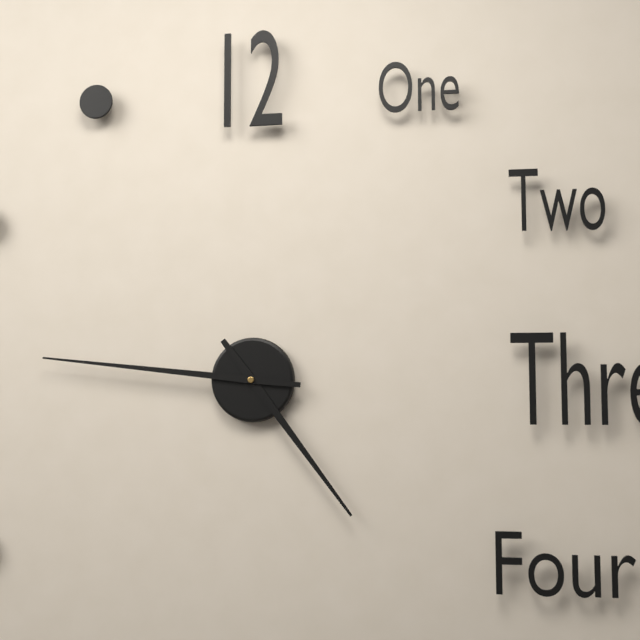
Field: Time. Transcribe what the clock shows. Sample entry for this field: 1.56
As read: 4.46
